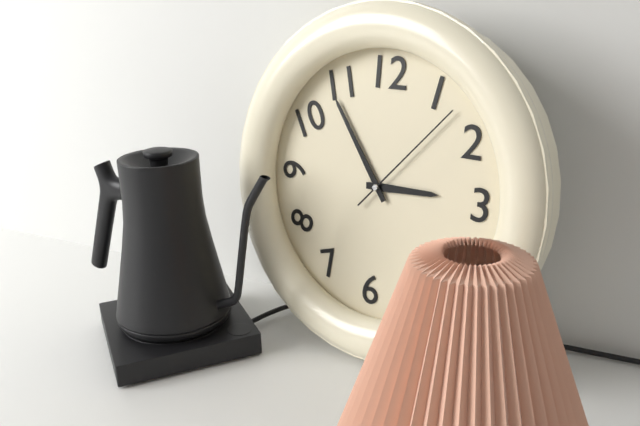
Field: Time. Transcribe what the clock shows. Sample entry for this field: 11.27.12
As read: 2.54.07
